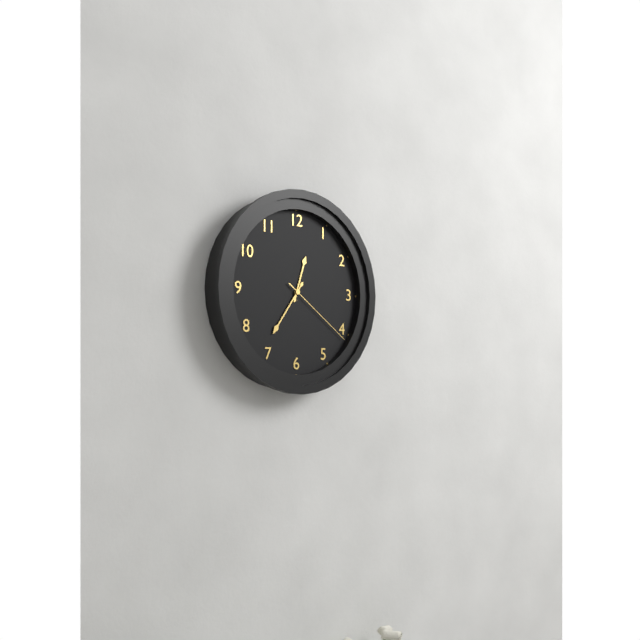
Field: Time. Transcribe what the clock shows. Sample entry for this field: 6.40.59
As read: 12.36.21
